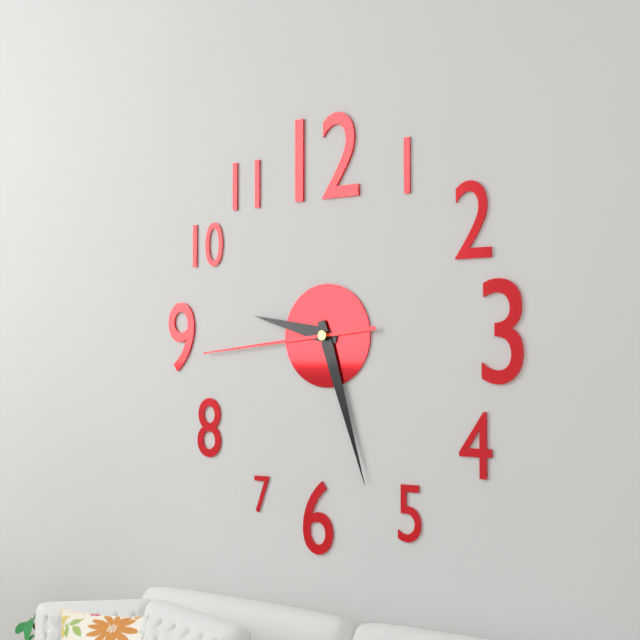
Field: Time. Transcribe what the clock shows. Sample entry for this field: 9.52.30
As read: 9.27.44
